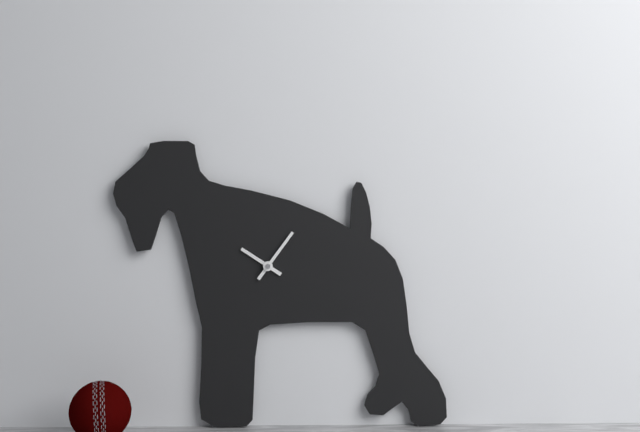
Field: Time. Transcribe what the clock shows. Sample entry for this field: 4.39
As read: 10.06
